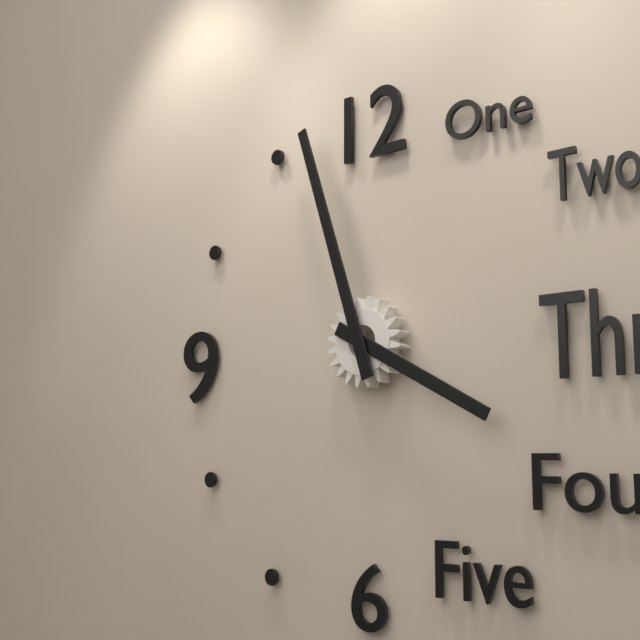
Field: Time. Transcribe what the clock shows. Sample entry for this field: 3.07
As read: 3.57
